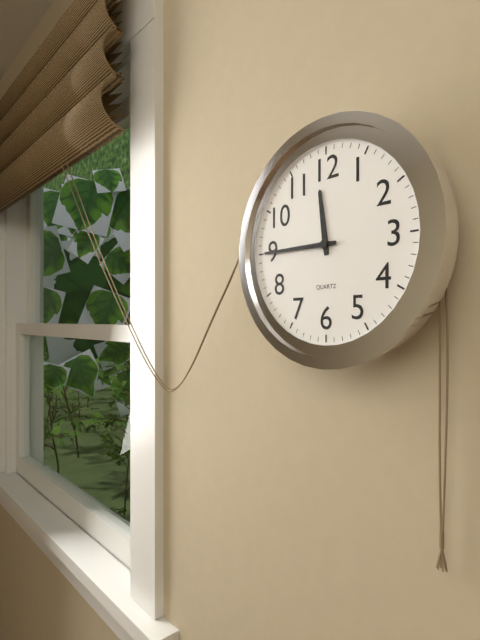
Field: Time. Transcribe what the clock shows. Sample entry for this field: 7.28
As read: 11.45
